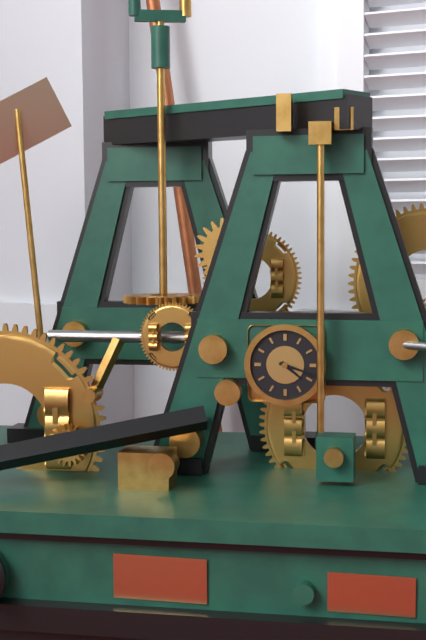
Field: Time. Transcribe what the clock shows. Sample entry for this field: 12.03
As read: 4.18
